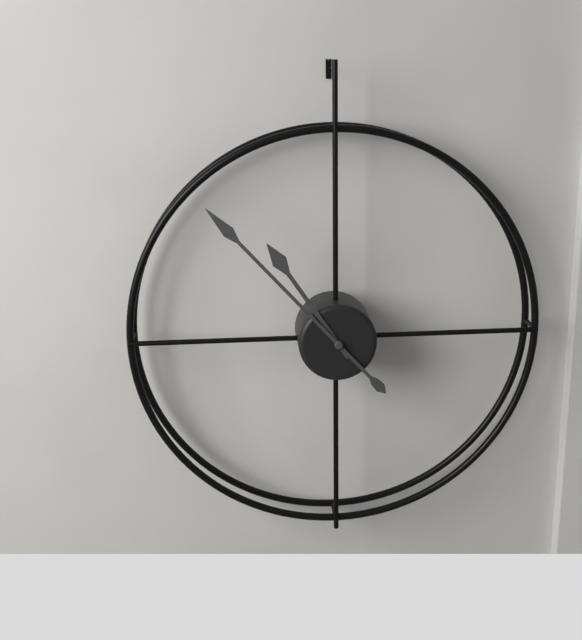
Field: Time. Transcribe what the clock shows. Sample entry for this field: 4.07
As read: 10.53
